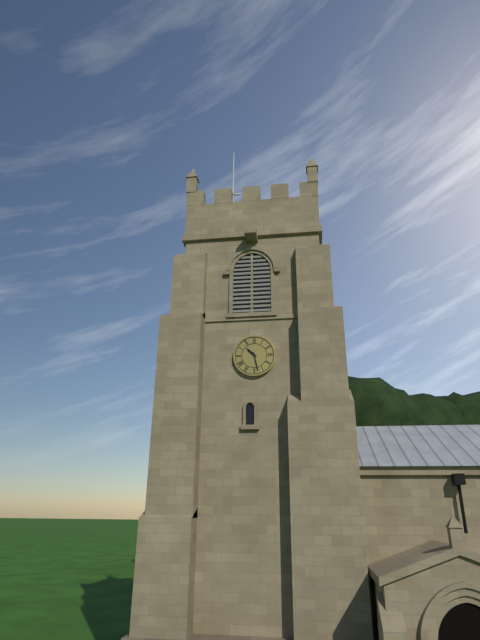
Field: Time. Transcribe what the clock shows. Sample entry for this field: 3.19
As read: 10.28
